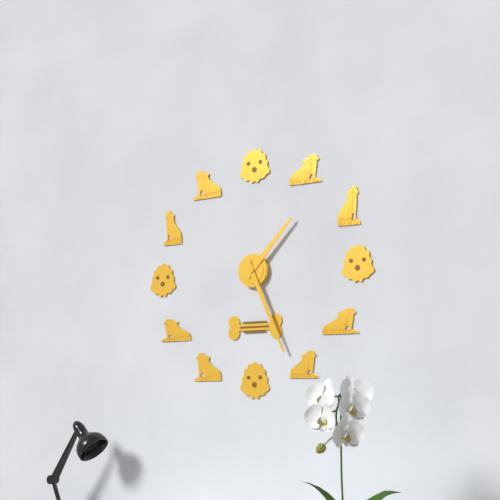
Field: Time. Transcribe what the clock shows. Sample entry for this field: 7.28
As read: 1.26
